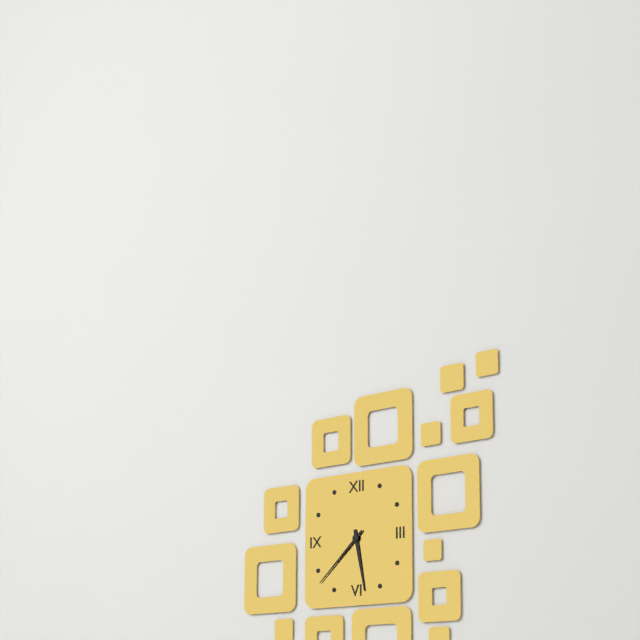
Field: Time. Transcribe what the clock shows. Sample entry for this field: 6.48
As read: 5.38
